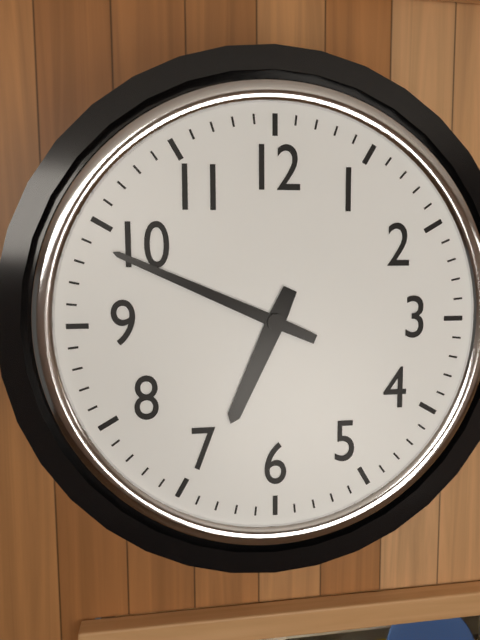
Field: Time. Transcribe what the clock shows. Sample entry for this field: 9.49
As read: 6.49
